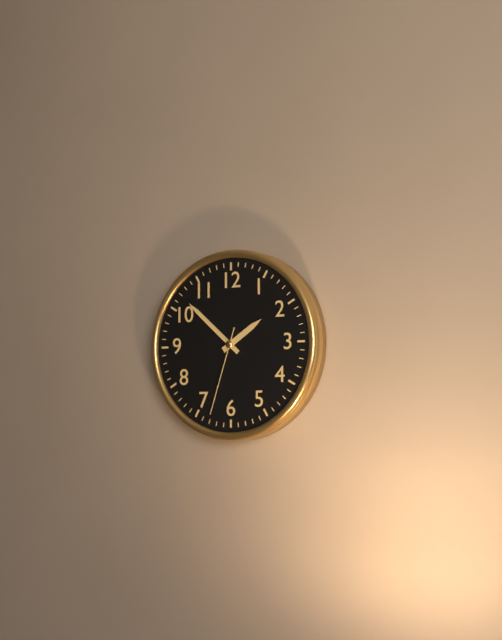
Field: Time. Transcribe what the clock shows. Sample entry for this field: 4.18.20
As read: 1.52.33
